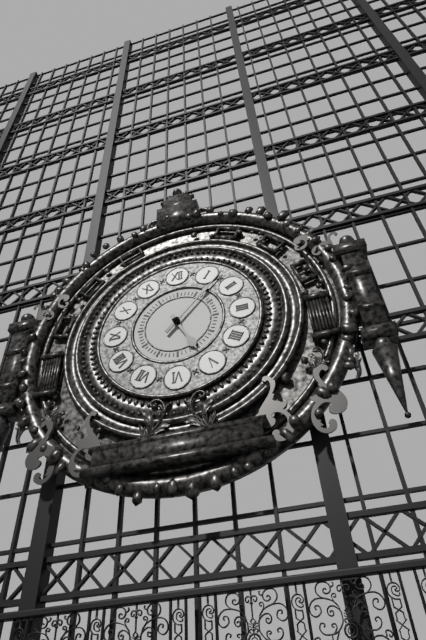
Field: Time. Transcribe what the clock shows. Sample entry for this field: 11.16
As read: 5.07
